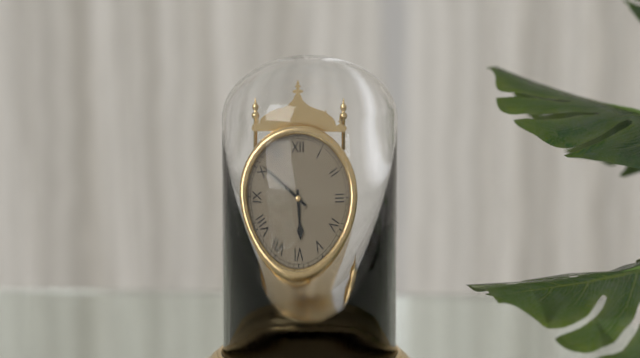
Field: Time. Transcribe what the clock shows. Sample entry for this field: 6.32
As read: 5.51
